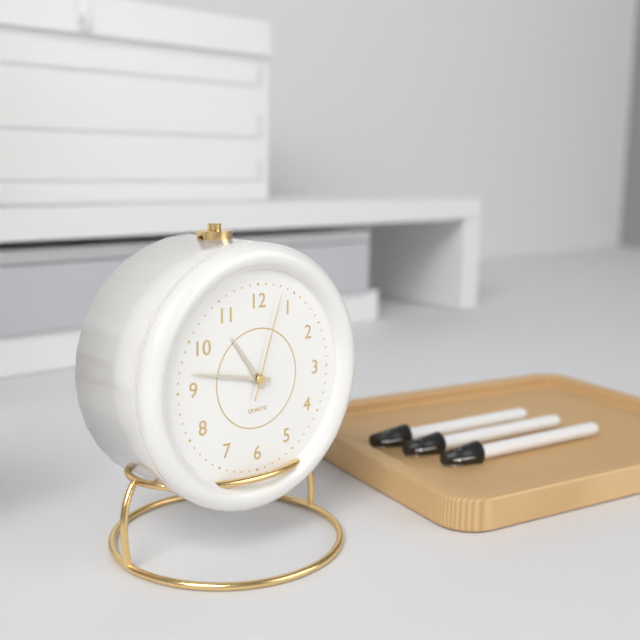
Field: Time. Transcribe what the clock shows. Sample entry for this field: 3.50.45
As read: 10.47.03
